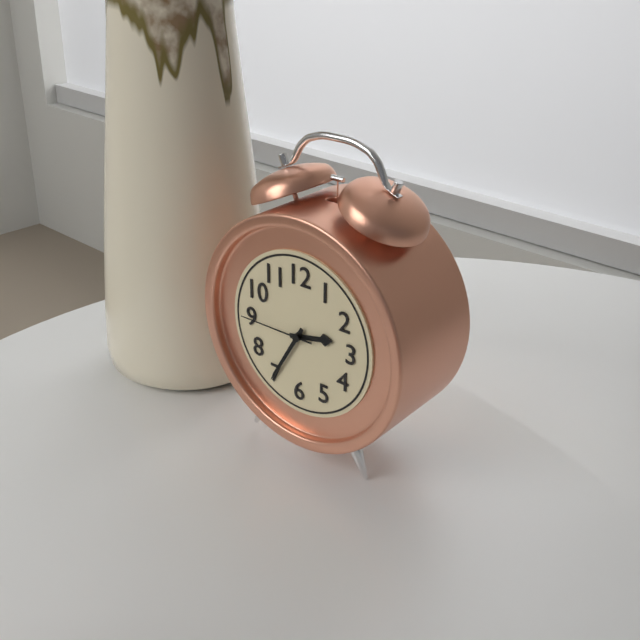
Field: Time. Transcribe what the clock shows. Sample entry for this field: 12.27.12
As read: 2.35.45
